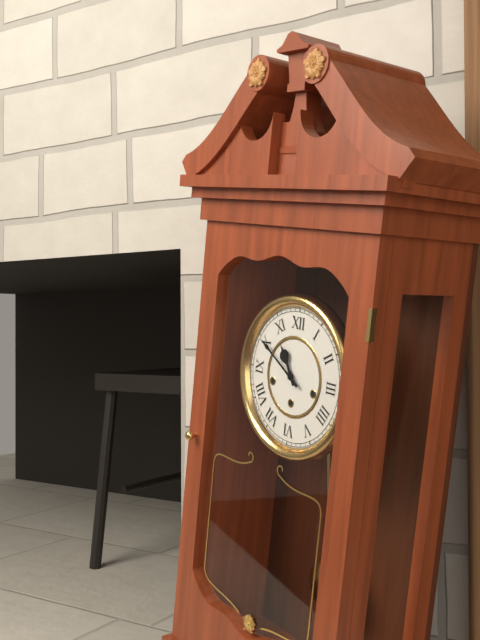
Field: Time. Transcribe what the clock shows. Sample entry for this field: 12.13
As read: 10.50
